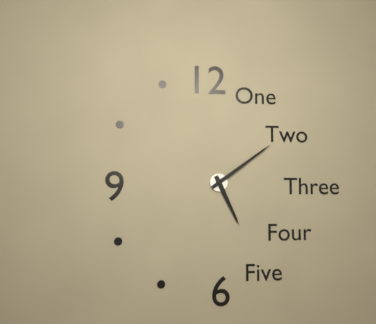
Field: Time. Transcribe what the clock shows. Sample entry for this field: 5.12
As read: 5.09
